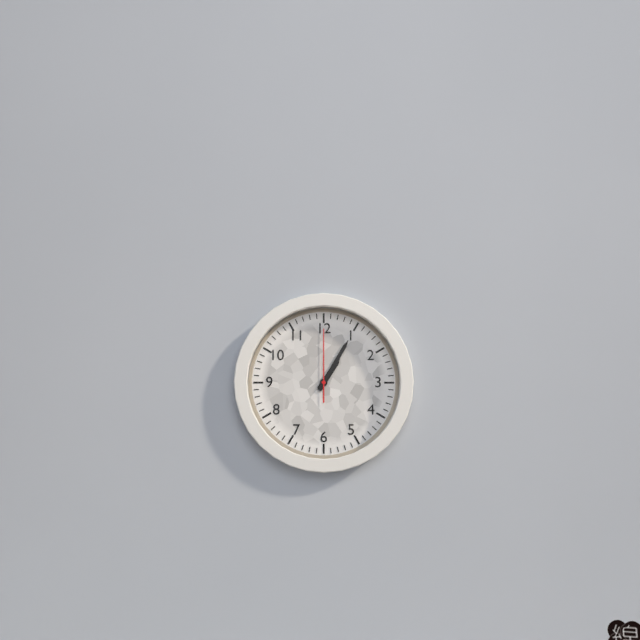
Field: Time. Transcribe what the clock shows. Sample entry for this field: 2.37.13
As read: 1.05.00
